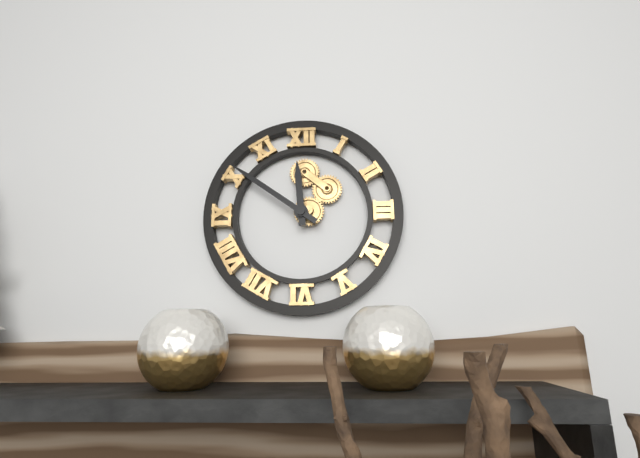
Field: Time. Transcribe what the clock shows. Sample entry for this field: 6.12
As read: 11.51
